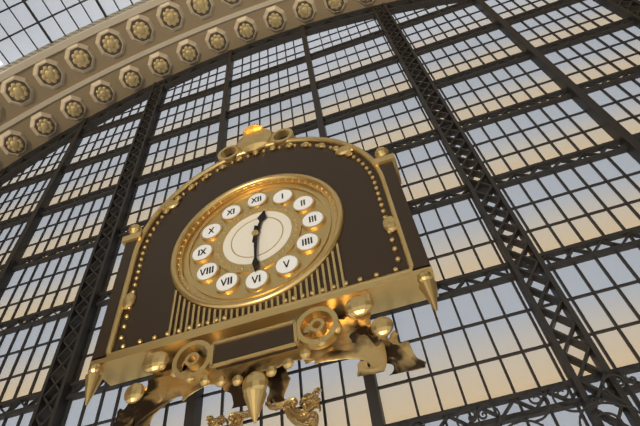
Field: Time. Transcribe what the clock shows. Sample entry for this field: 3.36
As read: 12.30
